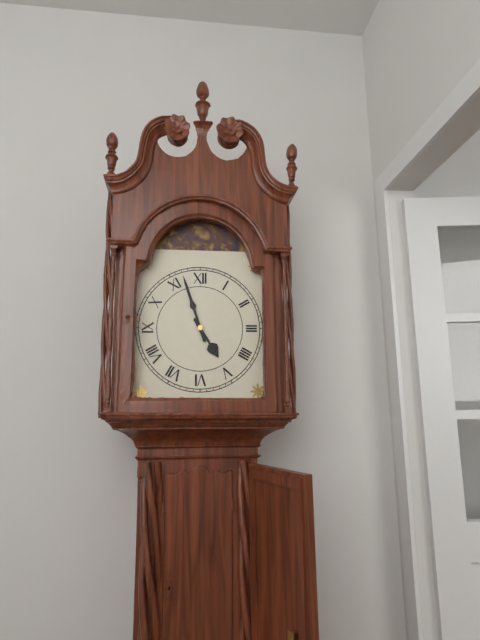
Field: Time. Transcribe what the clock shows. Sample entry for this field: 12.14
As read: 4.57
